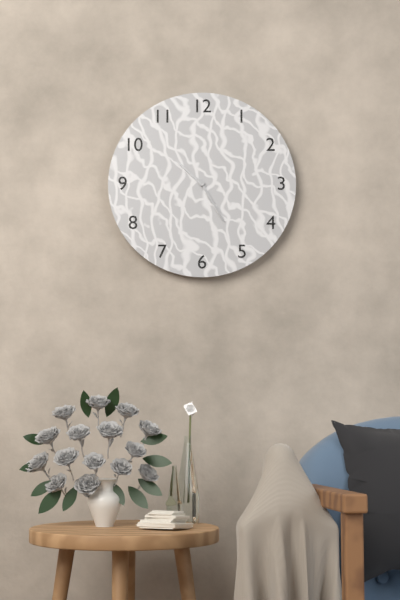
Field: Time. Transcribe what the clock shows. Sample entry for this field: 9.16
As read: 10.25
